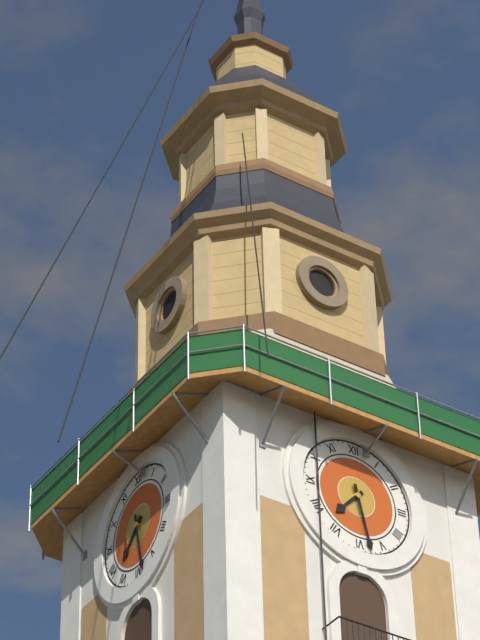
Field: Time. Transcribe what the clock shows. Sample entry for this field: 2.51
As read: 7.28
